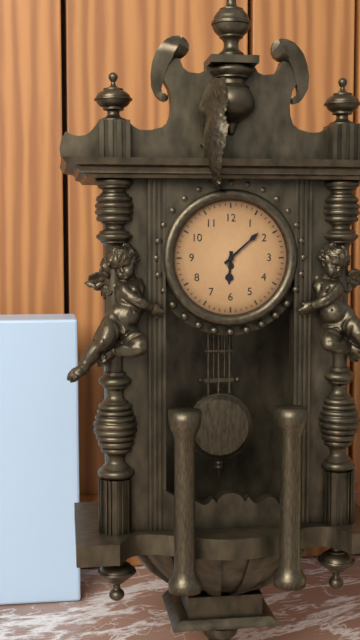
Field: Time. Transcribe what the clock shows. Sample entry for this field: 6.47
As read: 6.08
